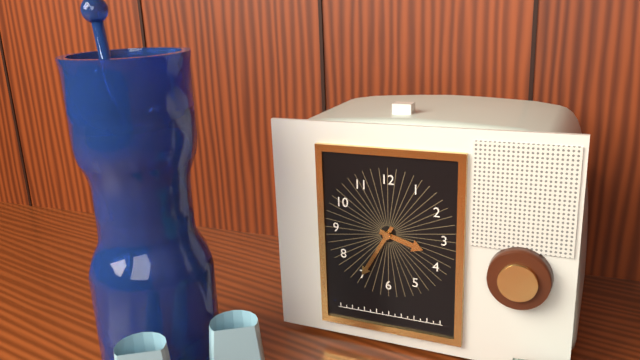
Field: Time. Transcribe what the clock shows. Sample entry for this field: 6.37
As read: 3.35
